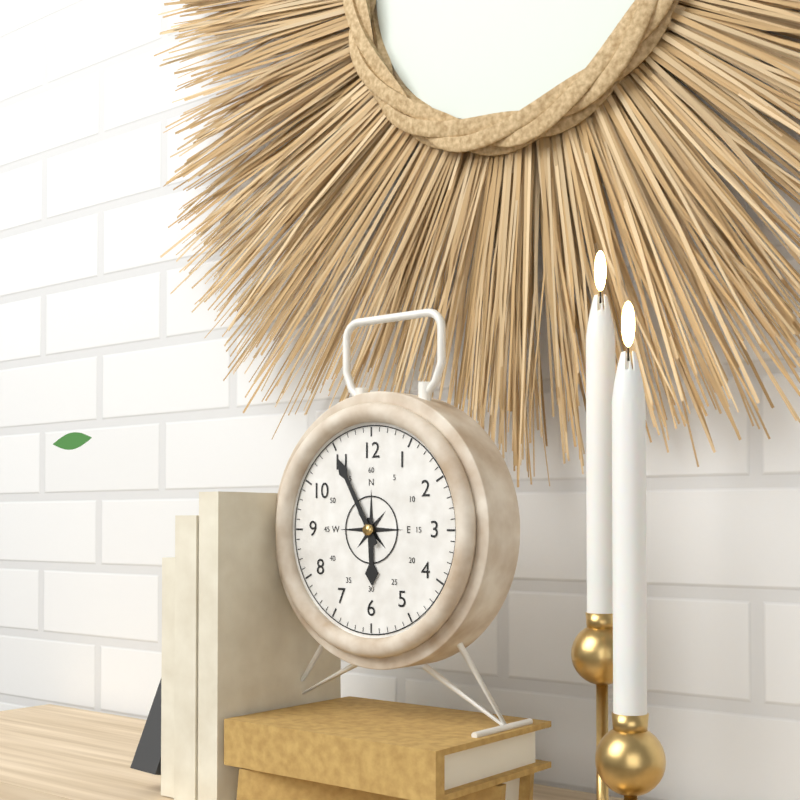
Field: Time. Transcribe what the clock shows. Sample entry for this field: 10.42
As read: 5.55
